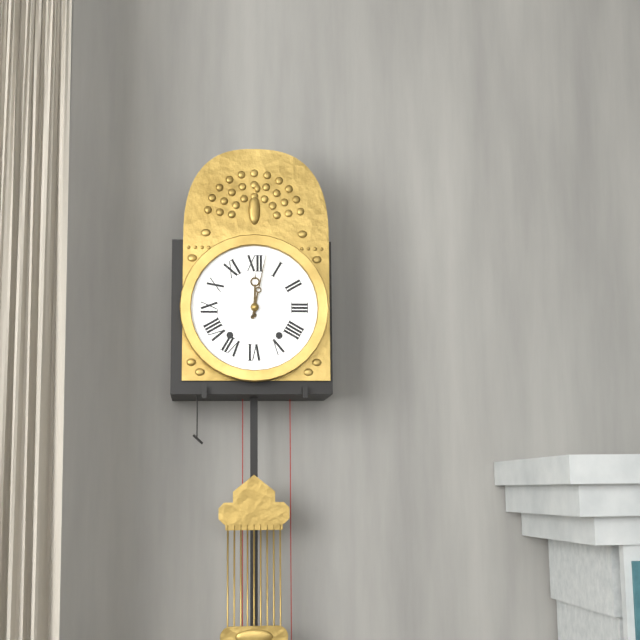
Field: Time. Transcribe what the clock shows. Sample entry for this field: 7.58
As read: 12.02
